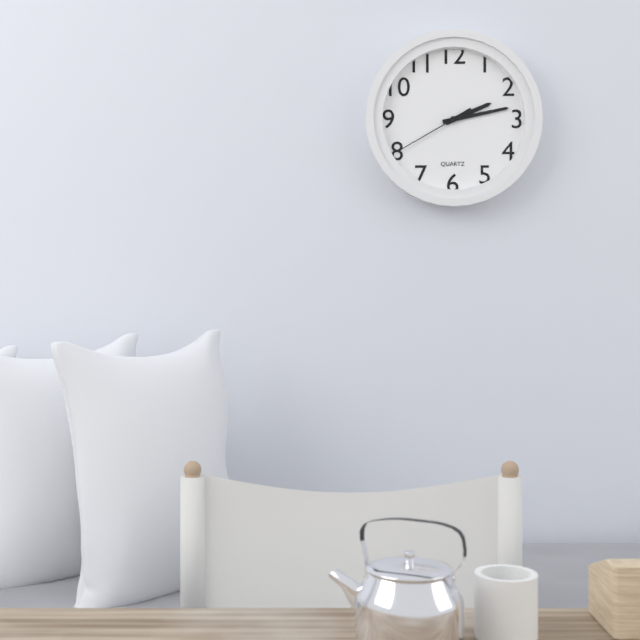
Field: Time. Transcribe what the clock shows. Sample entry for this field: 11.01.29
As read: 2.13.40
